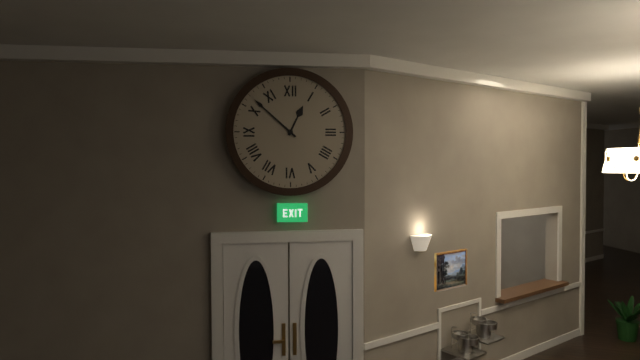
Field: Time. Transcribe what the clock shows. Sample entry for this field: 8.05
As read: 12.52
